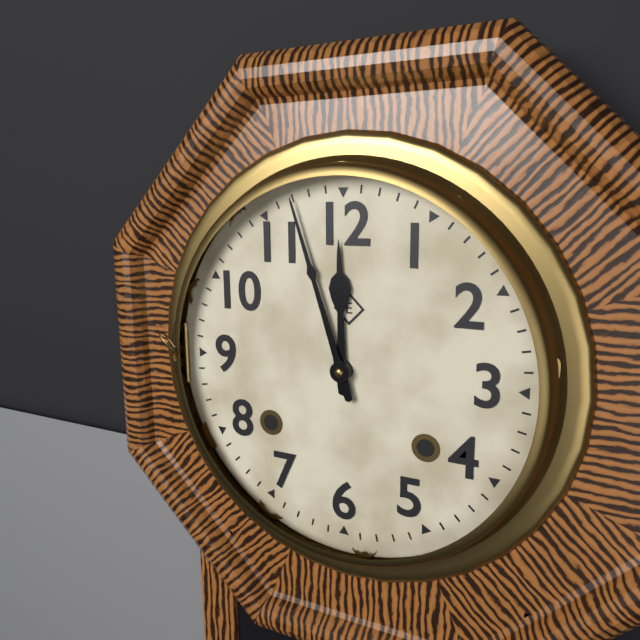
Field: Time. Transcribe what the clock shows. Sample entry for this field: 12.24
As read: 11.57
